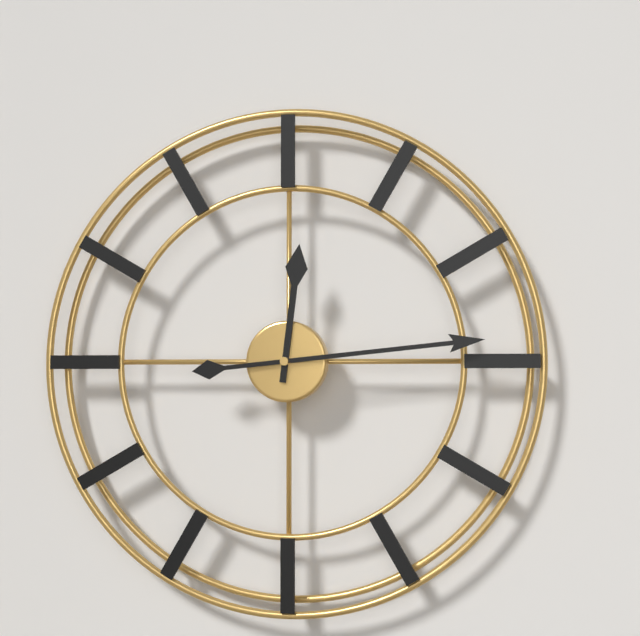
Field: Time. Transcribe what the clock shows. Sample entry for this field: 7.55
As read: 12.14
